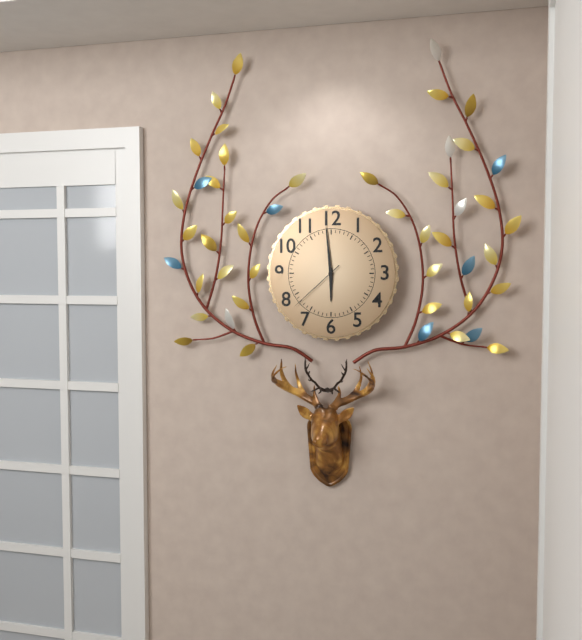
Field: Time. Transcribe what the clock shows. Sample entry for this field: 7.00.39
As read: 5.59.38
